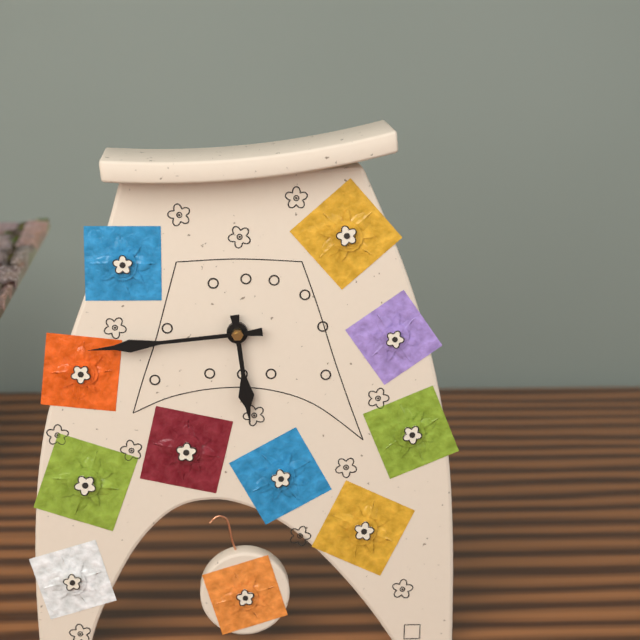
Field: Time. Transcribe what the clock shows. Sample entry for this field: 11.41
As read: 5.44
